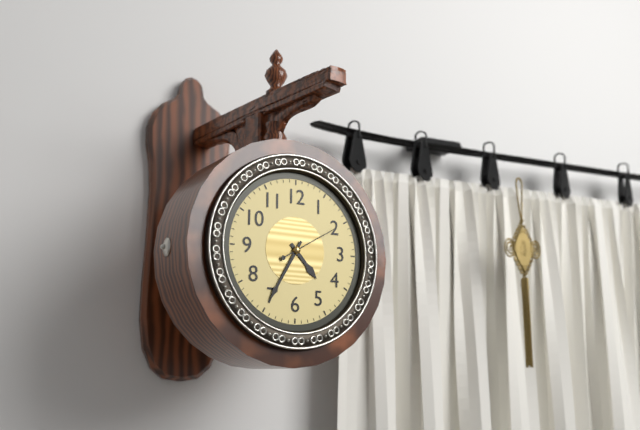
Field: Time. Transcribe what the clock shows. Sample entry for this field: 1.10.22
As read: 4.35.10
